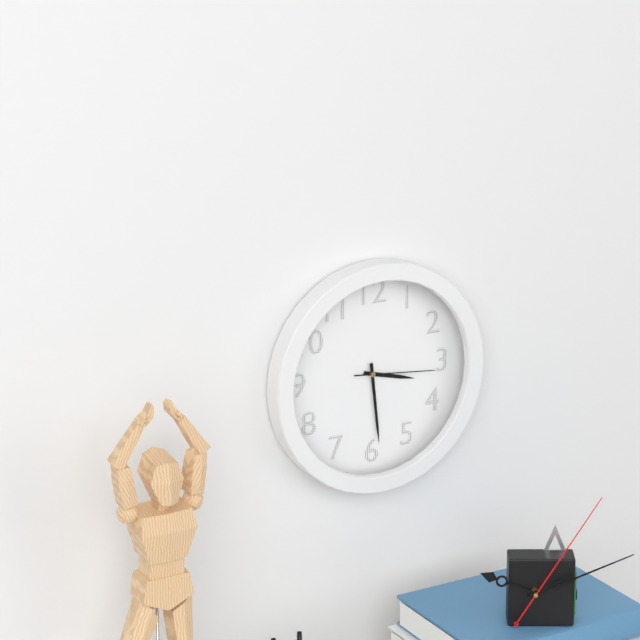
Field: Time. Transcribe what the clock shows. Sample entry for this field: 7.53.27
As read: 3.29.16
